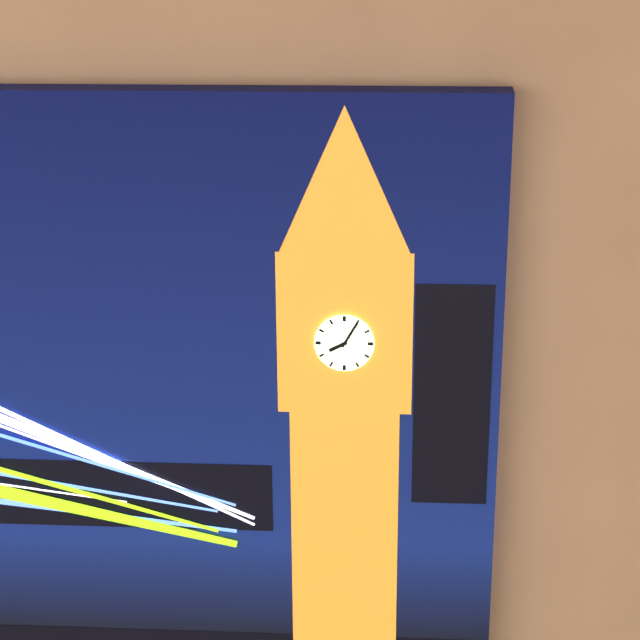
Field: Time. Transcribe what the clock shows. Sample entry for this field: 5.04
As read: 8.05
